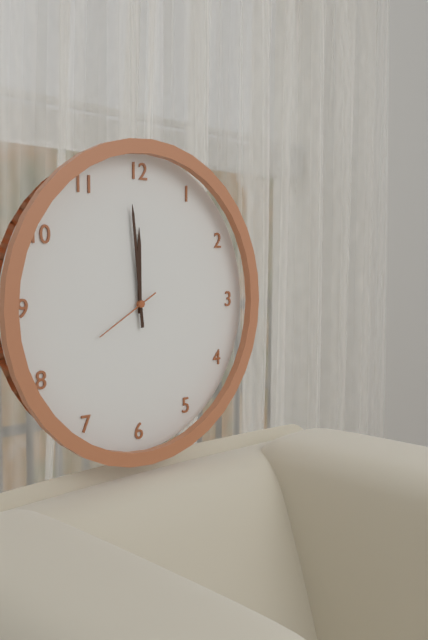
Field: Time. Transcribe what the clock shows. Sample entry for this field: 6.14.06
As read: 11.59.40
